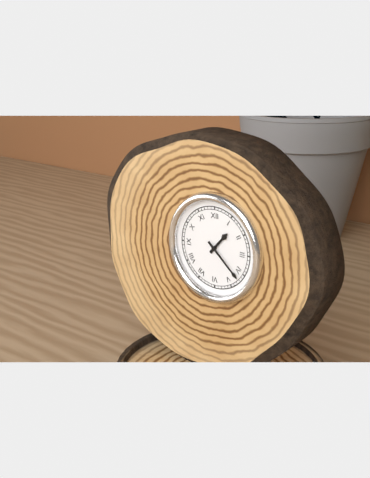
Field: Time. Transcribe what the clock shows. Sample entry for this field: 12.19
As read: 1.22
